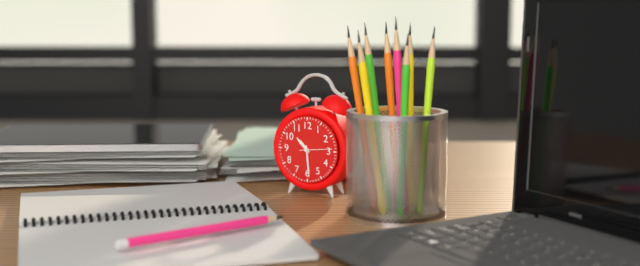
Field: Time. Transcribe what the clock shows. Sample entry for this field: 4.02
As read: 10.29
